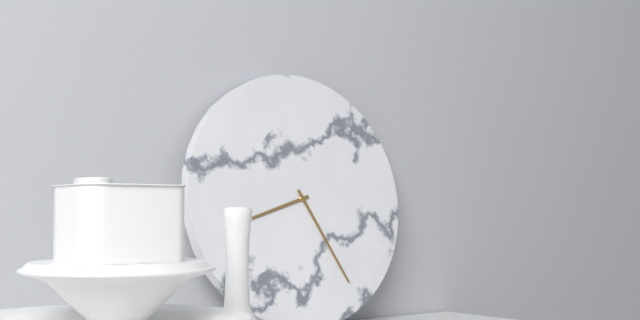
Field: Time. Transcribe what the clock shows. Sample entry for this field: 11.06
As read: 8.25
